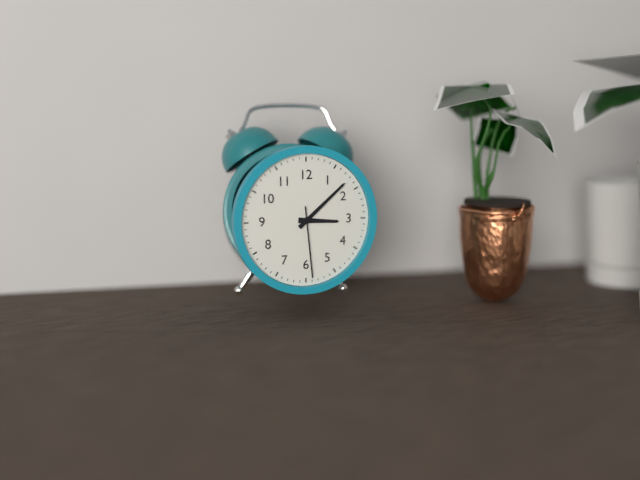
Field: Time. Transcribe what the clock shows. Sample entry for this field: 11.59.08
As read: 3.08.29
